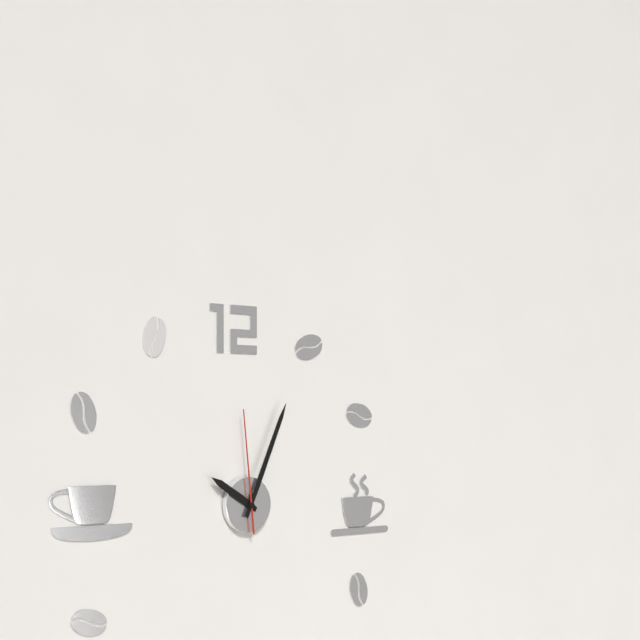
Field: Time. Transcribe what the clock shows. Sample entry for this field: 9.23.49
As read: 10.04.59
